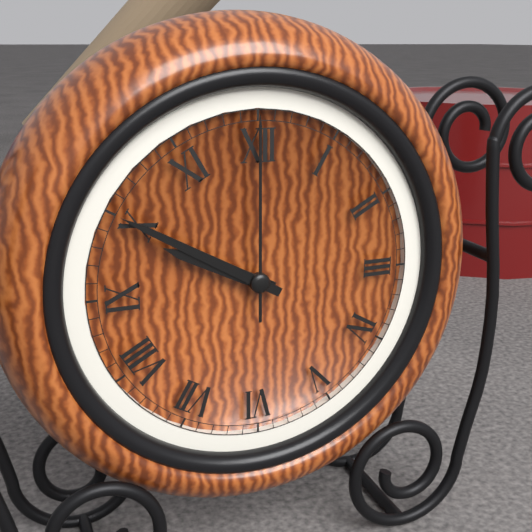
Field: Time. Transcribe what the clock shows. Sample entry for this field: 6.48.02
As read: 9.50.00
